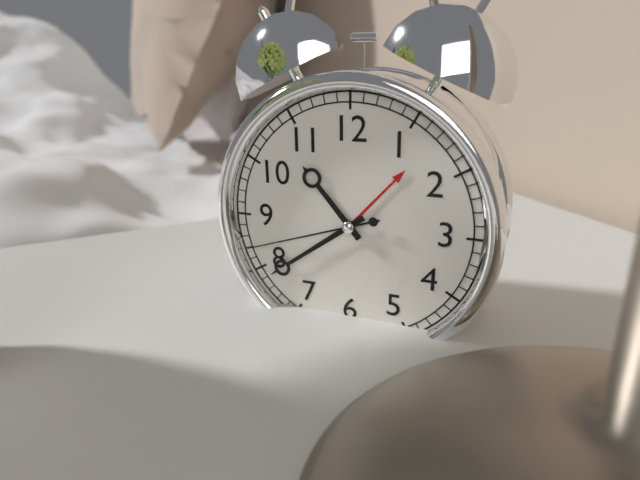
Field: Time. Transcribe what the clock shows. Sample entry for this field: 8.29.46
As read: 10.39.42
